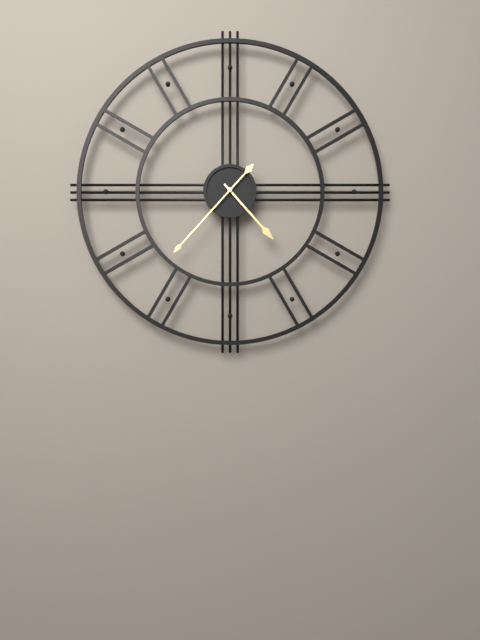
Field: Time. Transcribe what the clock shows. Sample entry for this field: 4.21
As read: 4.37
